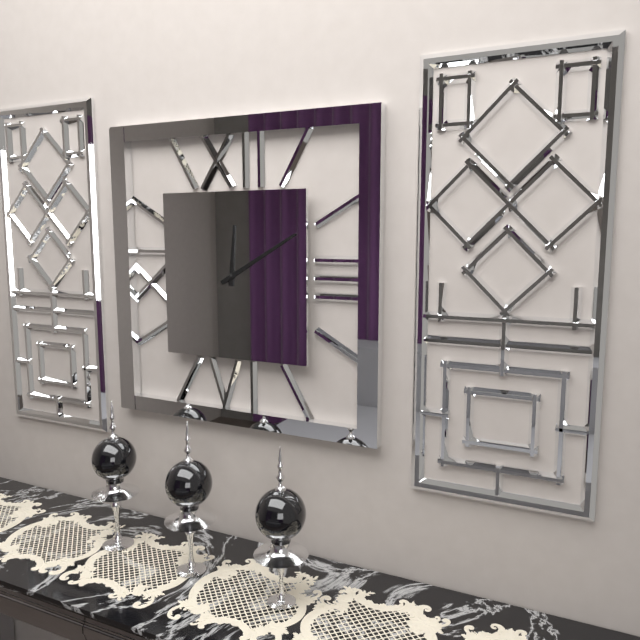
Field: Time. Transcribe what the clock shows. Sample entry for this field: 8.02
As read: 12.10
